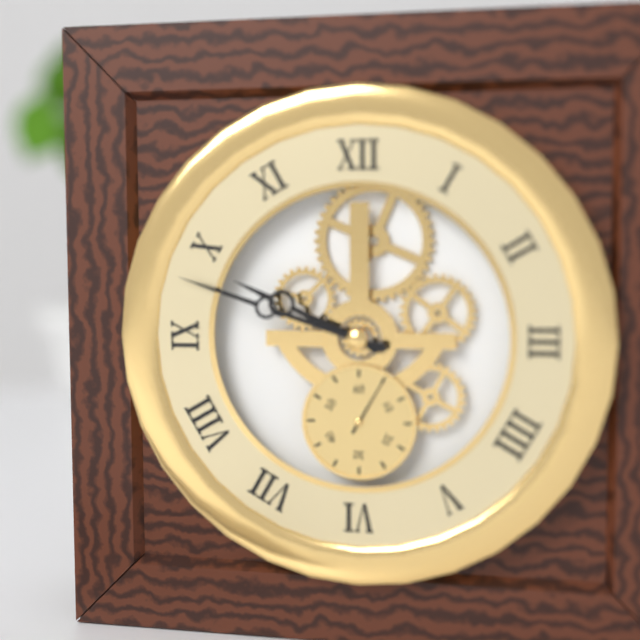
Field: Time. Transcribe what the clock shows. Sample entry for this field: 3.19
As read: 9.48
